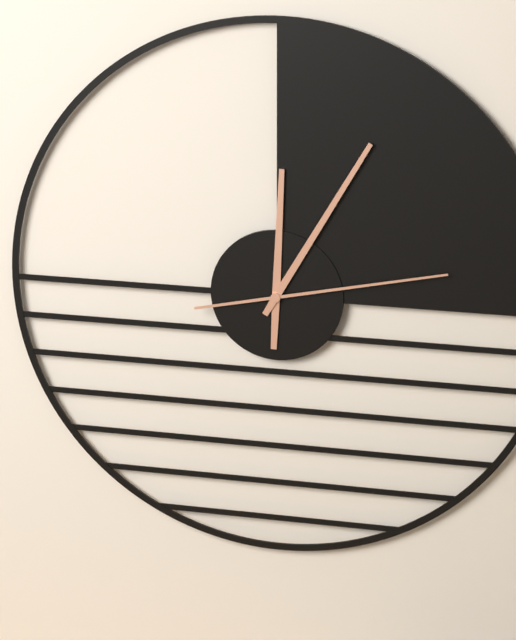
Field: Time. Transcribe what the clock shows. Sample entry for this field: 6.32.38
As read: 12.05.13
